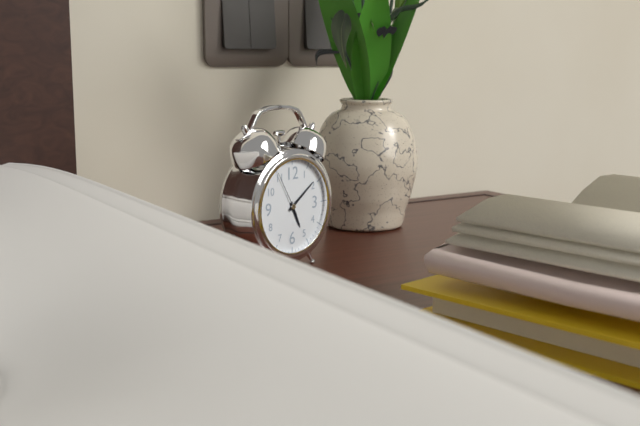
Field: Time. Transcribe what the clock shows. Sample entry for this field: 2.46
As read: 5.09
